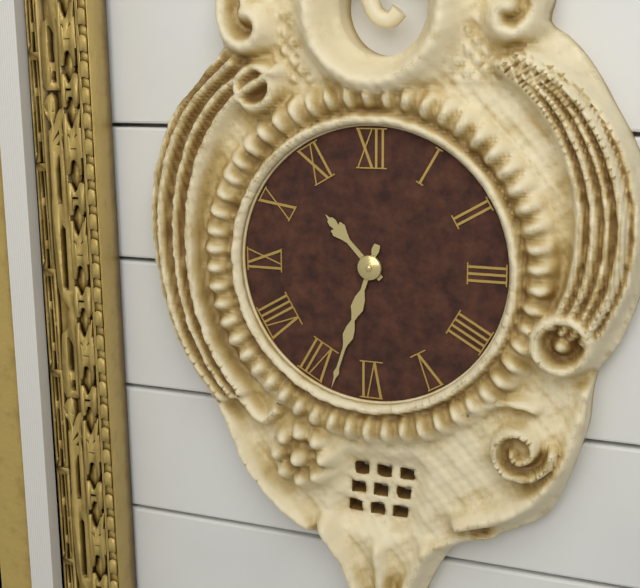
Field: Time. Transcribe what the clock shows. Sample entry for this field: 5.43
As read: 10.33
